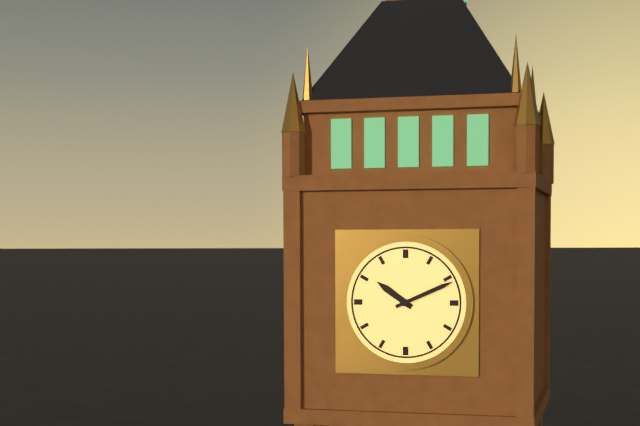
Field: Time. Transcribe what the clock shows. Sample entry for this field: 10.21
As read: 10.11
